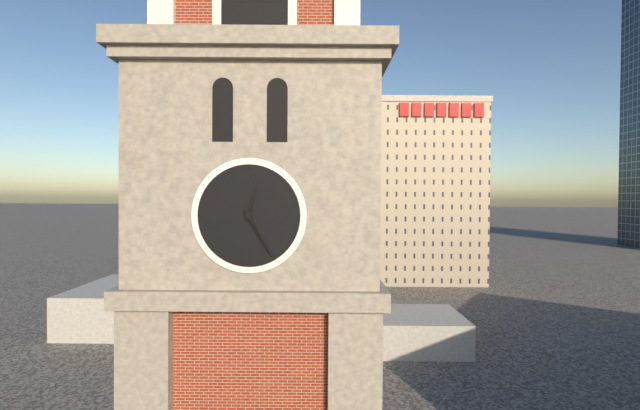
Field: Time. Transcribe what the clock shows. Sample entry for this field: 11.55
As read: 12.25
